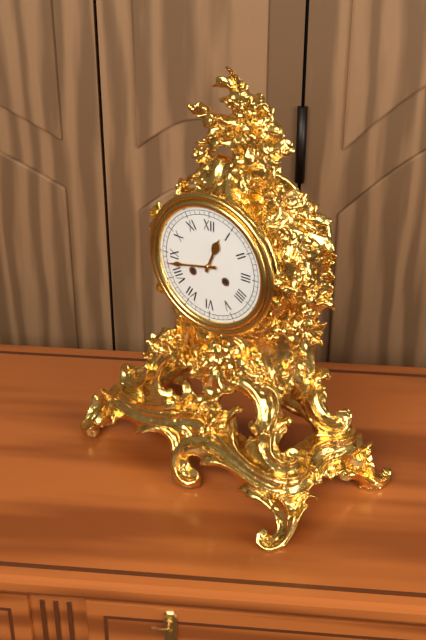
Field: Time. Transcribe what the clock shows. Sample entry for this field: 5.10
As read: 12.43
